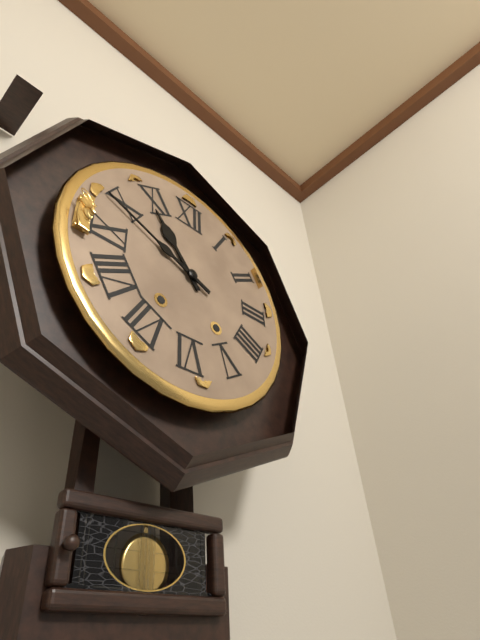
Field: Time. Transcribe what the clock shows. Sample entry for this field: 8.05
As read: 10.49
